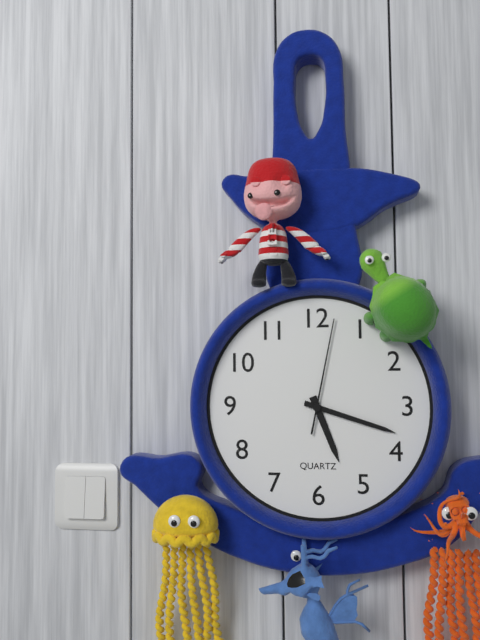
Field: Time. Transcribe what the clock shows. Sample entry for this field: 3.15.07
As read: 5.18.02
